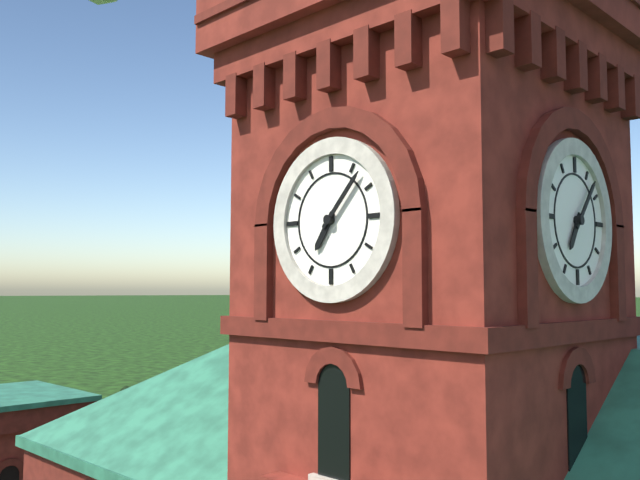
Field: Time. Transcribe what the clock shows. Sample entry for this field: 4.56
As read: 7.07
